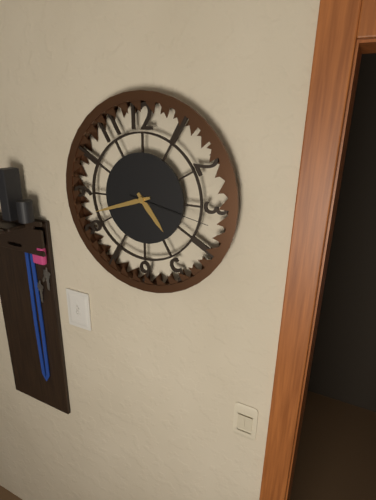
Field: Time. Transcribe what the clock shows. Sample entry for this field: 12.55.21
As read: 4.42.17
